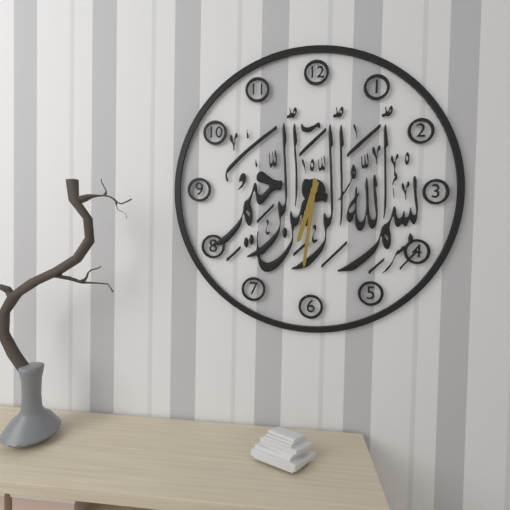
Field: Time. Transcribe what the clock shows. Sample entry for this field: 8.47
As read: 6.31
